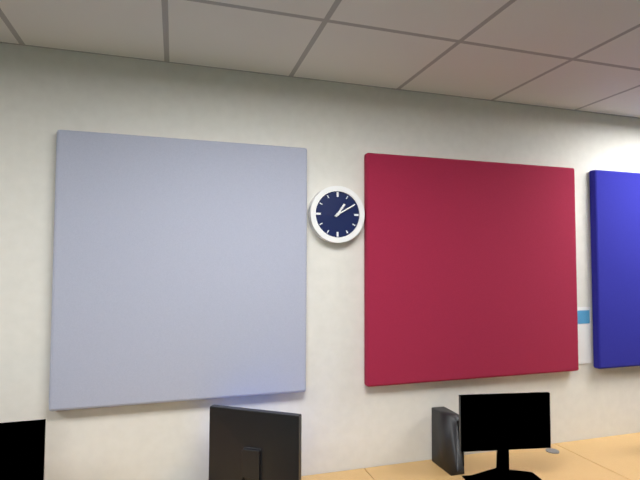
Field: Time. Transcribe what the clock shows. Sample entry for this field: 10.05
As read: 1.10
